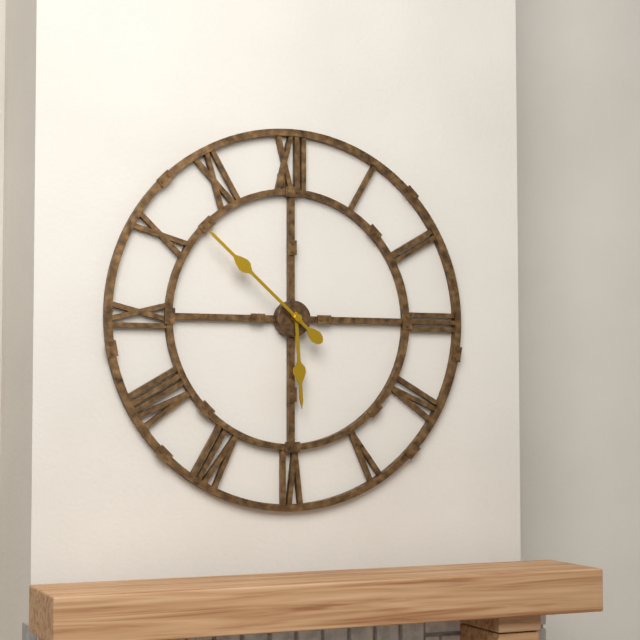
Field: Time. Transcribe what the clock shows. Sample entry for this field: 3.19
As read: 5.52
